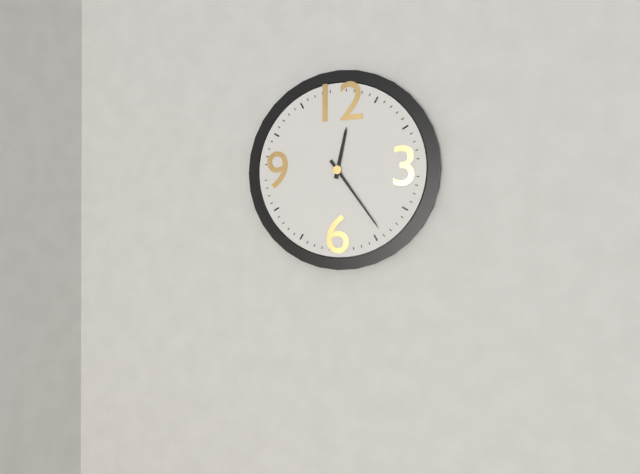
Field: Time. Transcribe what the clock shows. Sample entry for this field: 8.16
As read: 12.24
